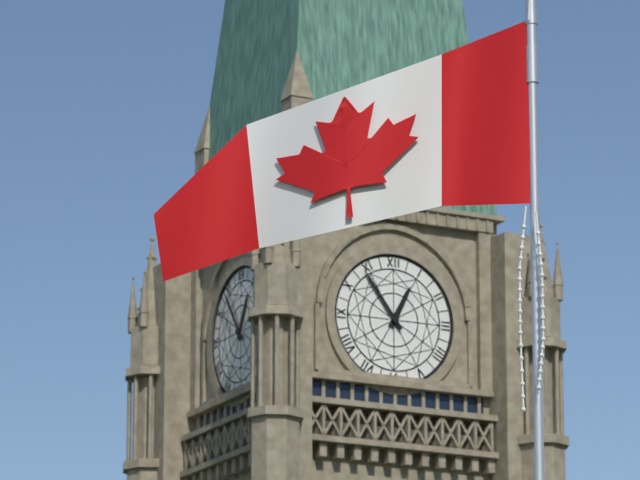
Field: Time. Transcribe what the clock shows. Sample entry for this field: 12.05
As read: 12.54
